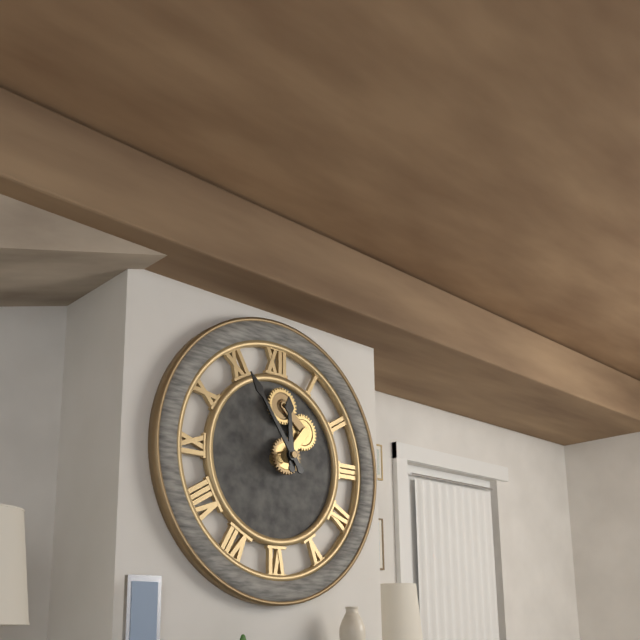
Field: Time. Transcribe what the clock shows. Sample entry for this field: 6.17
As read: 11.54
